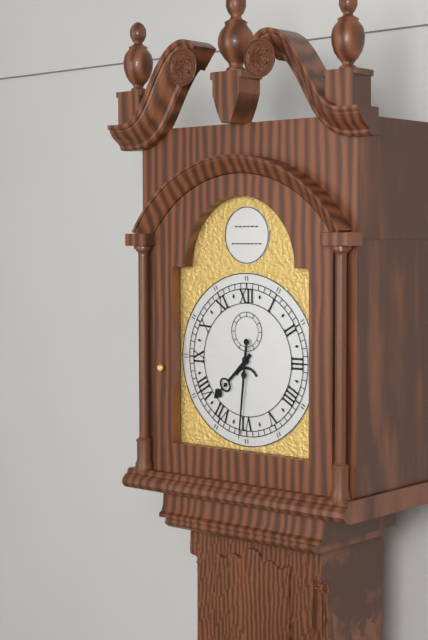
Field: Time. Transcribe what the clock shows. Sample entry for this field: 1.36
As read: 7.31
